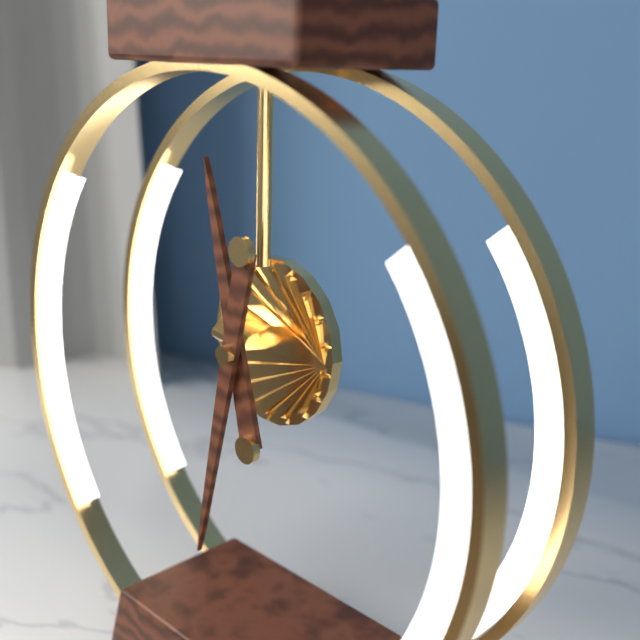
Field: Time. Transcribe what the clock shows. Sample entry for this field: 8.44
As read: 11.32
